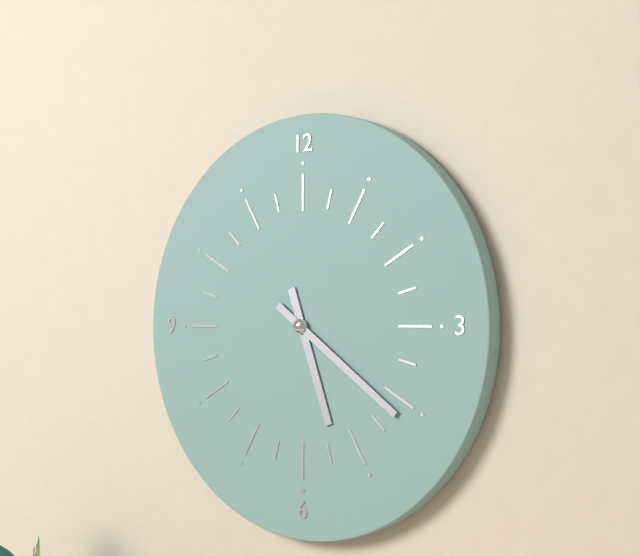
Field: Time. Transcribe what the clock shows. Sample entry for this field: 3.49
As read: 5.21
